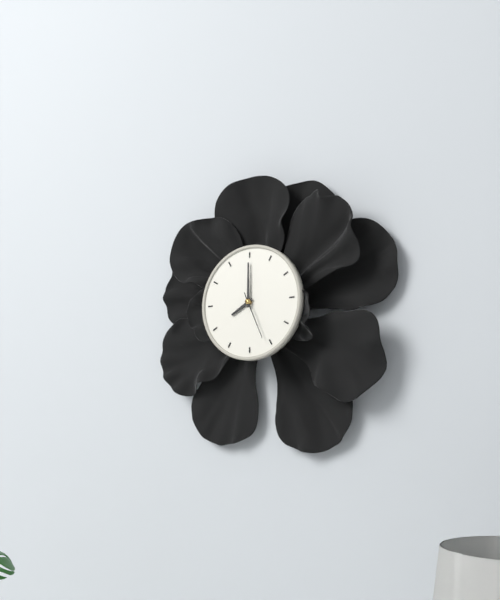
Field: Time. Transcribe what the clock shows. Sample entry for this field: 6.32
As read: 8.00
